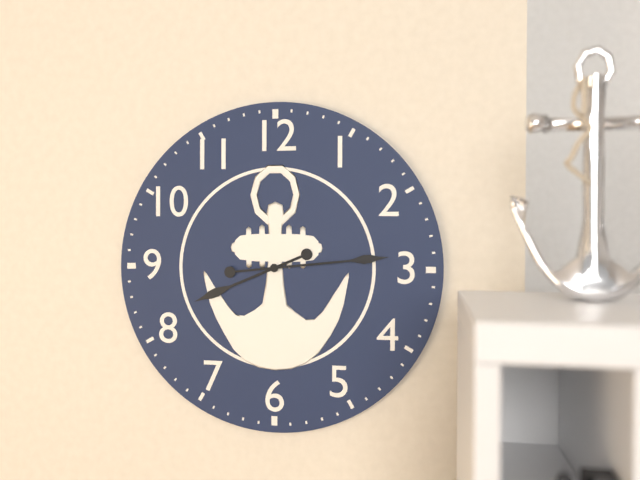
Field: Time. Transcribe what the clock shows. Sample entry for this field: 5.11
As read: 8.14
